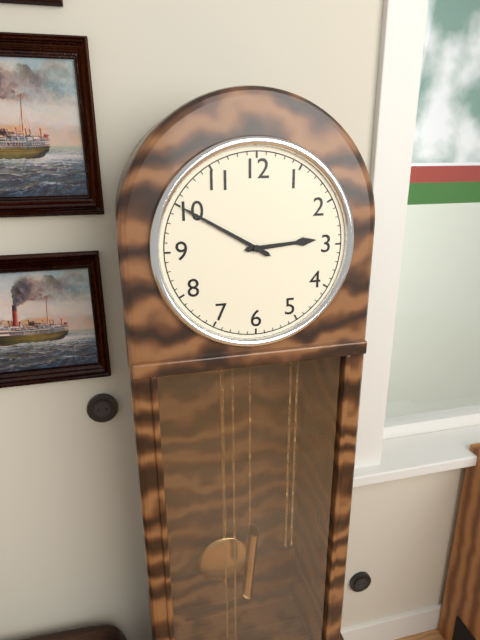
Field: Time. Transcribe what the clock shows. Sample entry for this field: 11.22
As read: 2.50
